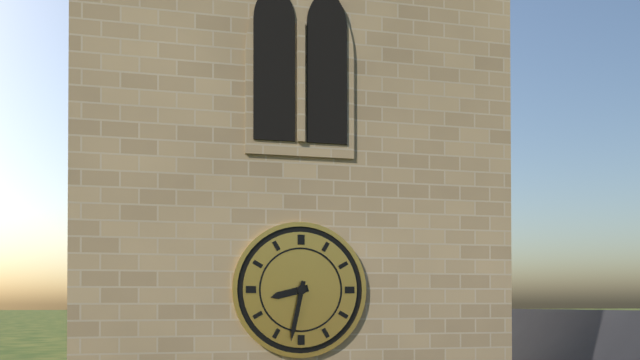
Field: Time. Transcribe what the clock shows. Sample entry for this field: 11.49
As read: 8.32
